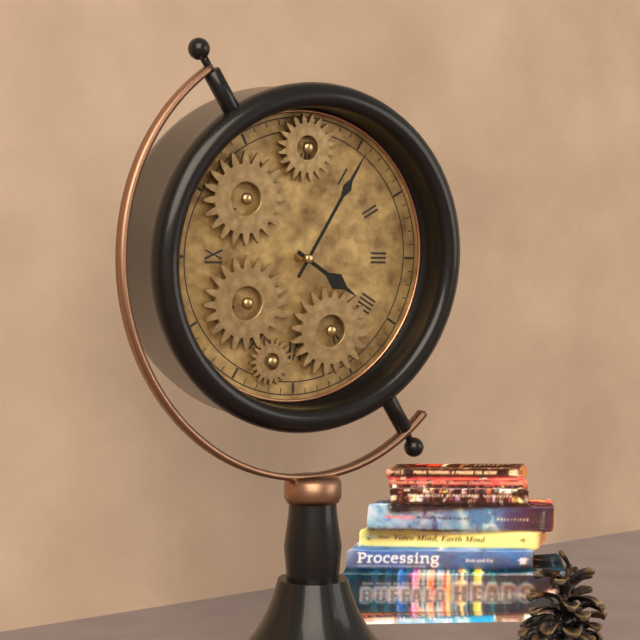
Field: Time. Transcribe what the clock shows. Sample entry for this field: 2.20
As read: 4.05
